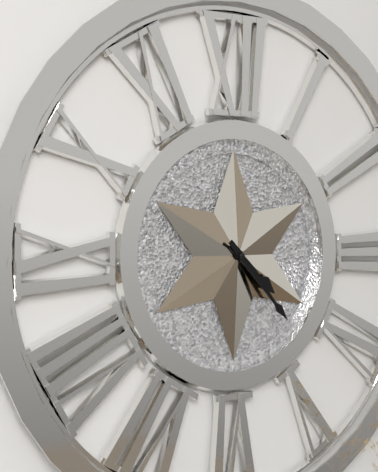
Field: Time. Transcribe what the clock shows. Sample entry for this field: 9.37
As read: 4.23
